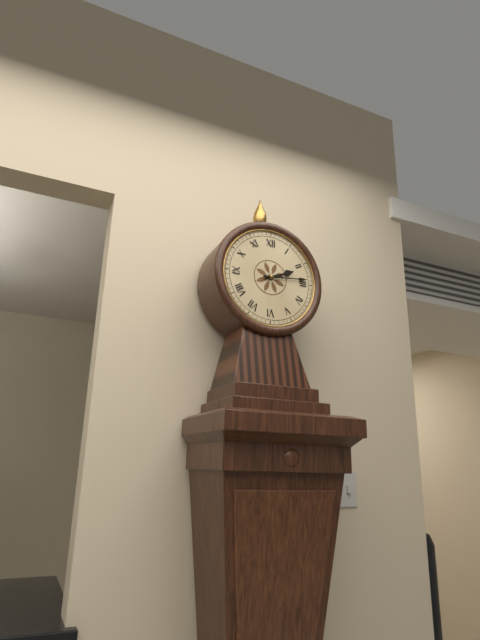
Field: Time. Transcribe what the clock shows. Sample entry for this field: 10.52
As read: 2.14
